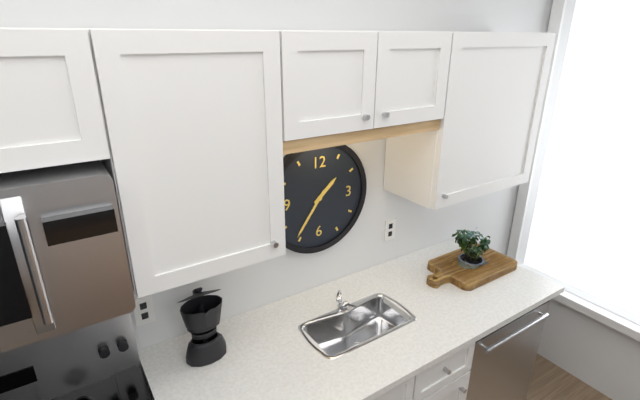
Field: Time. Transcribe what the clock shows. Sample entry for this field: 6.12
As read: 1.36
